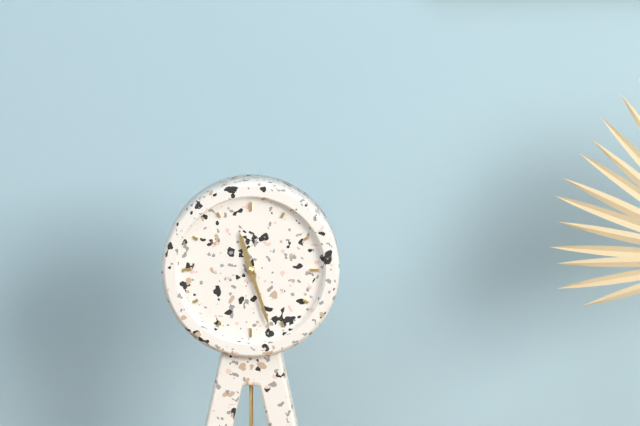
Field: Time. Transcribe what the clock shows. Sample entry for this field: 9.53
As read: 11.27
